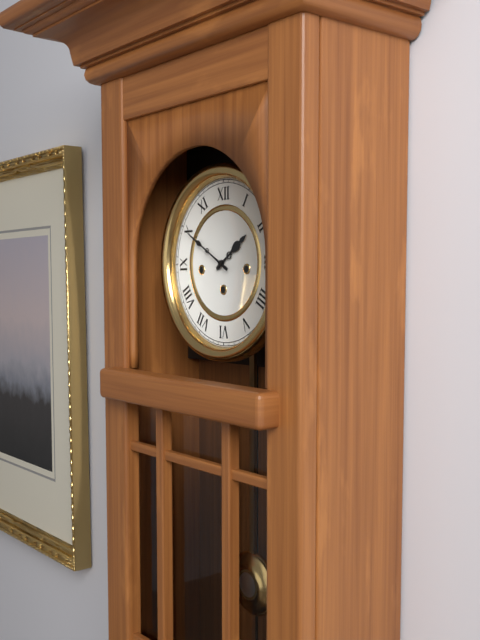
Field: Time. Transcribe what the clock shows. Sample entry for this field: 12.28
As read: 1.50
